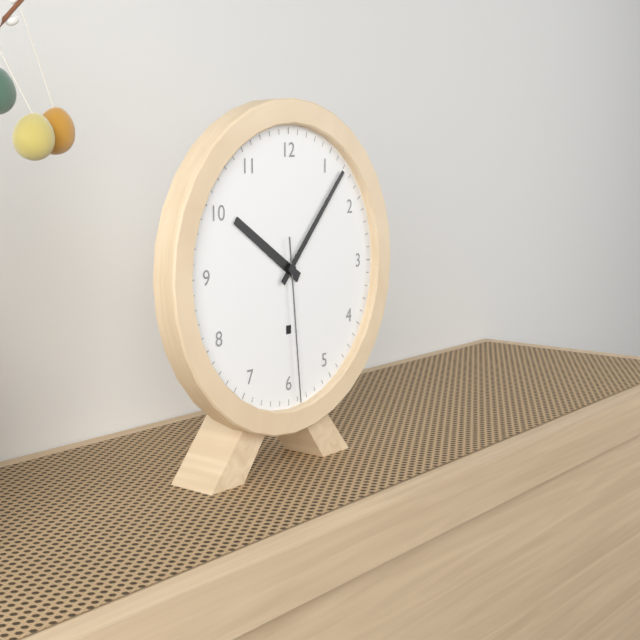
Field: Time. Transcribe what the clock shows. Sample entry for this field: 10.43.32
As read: 10.07.29
